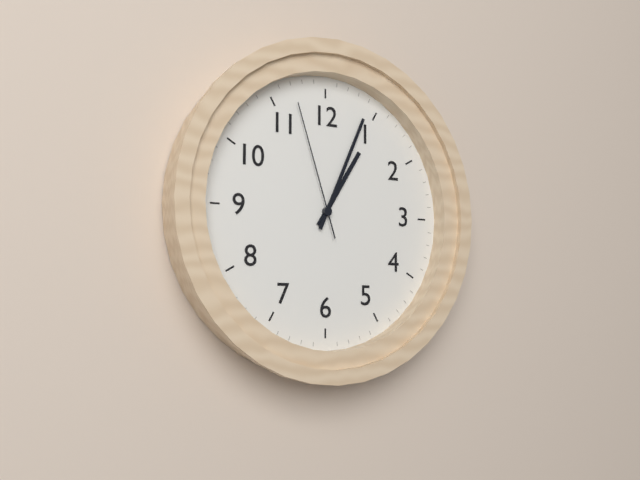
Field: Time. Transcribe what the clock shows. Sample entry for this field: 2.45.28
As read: 1.04.57
